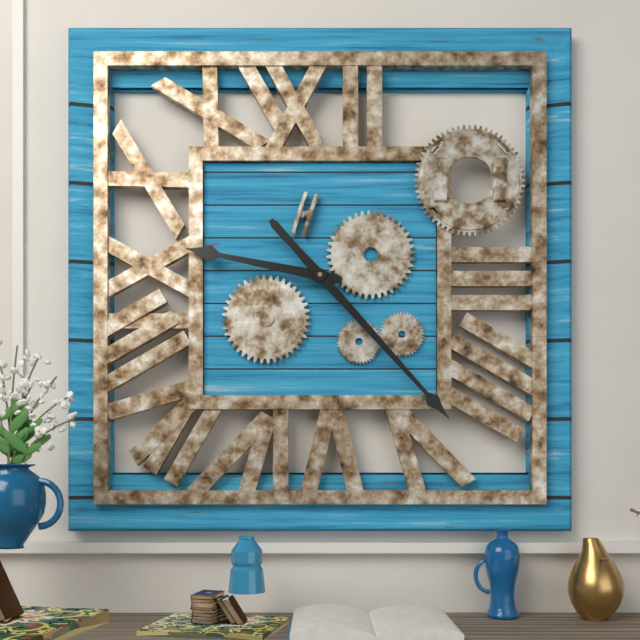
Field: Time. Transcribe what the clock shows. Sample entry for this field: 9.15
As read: 9.23
